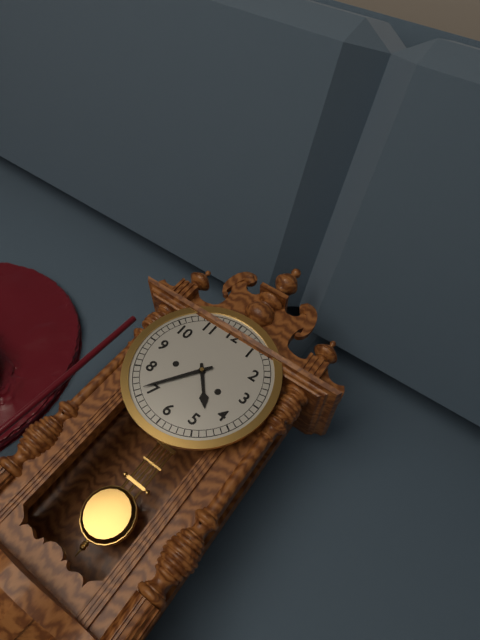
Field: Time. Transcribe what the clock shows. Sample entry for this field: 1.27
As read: 4.36
